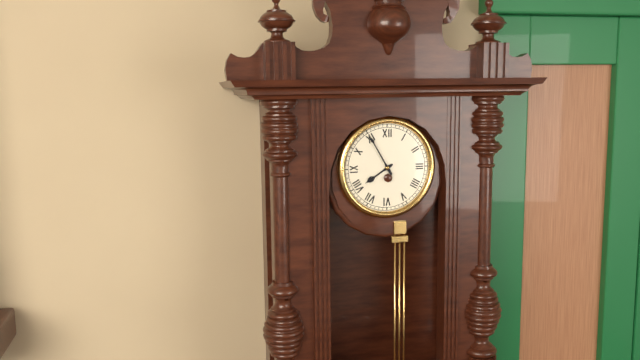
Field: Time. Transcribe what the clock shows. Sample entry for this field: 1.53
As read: 7.55
